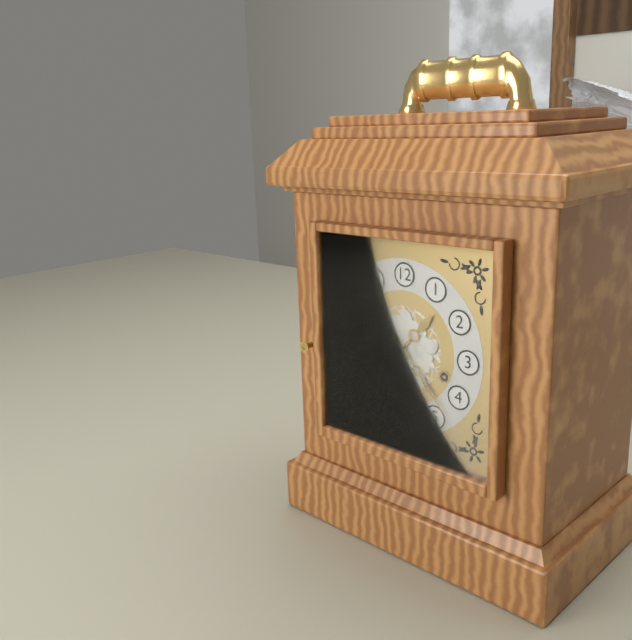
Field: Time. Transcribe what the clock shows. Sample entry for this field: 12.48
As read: 1.23
